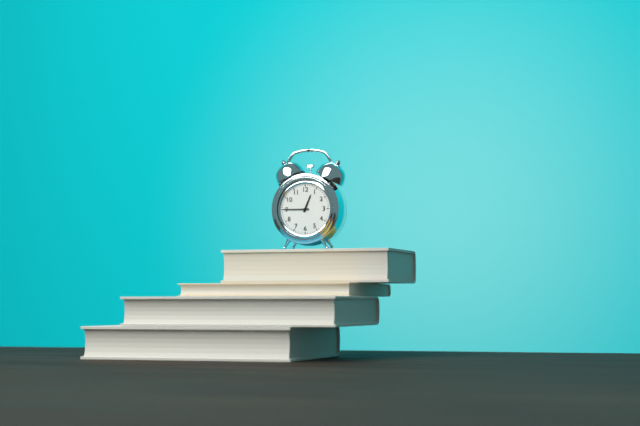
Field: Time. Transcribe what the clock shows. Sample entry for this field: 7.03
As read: 12.45
